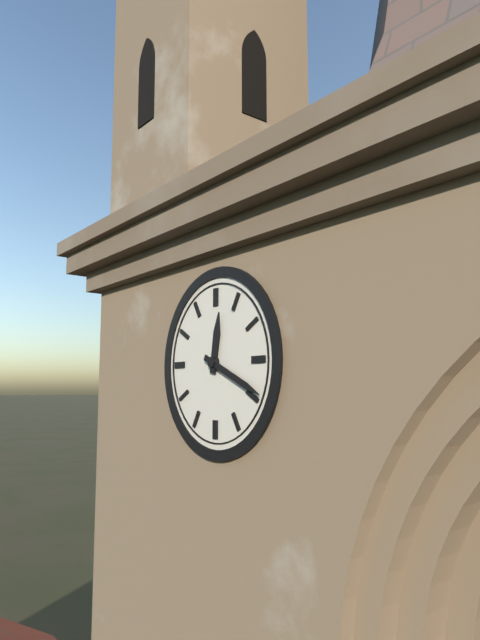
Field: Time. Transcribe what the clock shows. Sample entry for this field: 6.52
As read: 12.19
